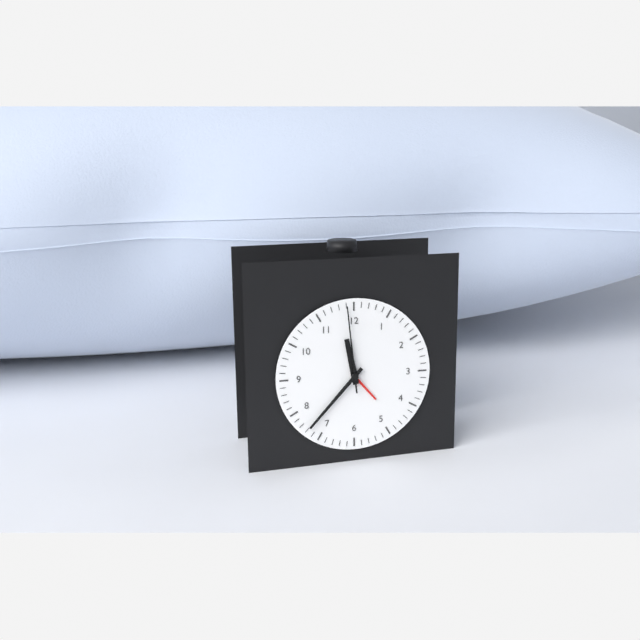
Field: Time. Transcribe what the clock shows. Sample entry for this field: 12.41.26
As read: 11.37.59
